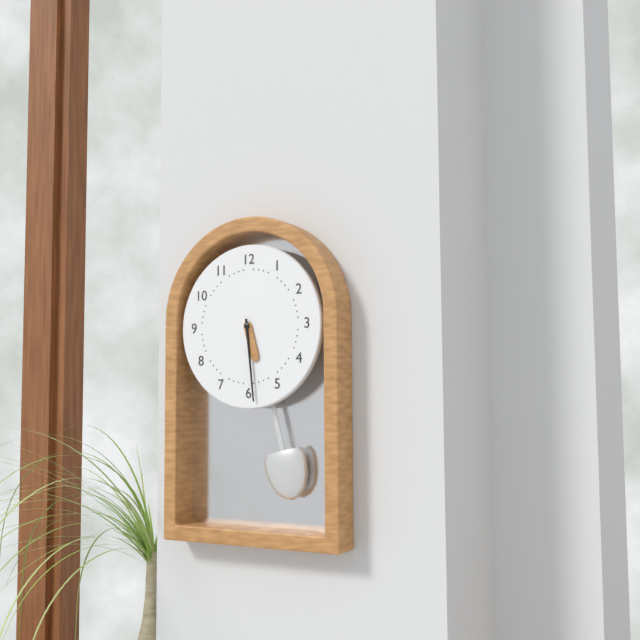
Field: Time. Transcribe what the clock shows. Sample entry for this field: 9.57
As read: 5.29
